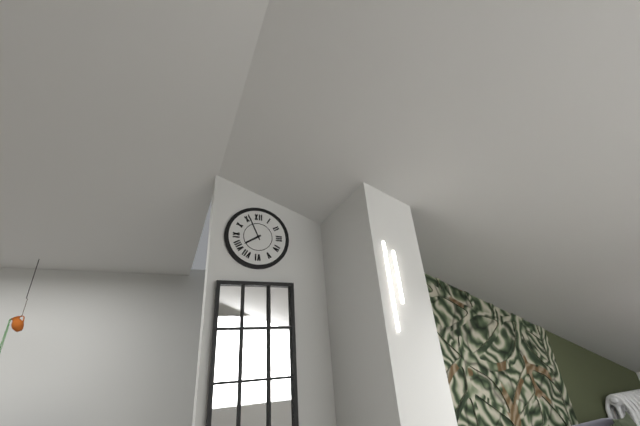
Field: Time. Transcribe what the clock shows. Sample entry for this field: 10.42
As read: 7.56
